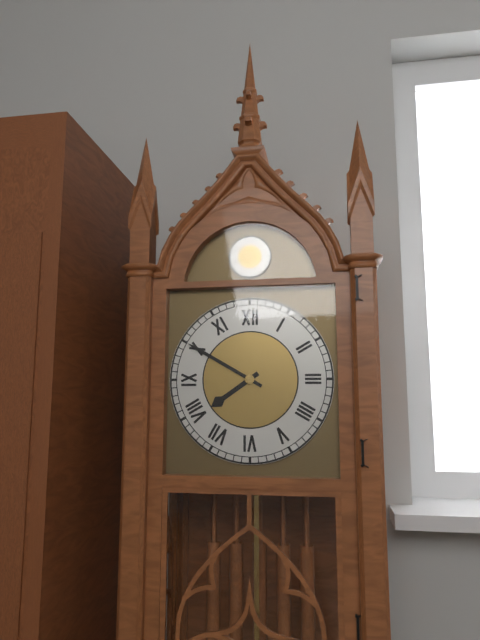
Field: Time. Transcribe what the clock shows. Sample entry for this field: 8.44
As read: 7.50
